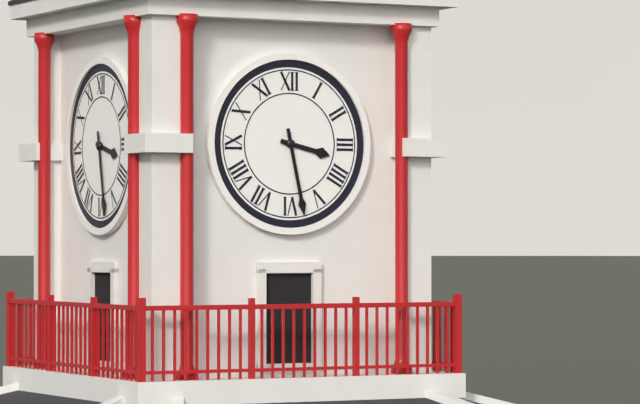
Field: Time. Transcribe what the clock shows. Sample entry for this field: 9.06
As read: 3.28
